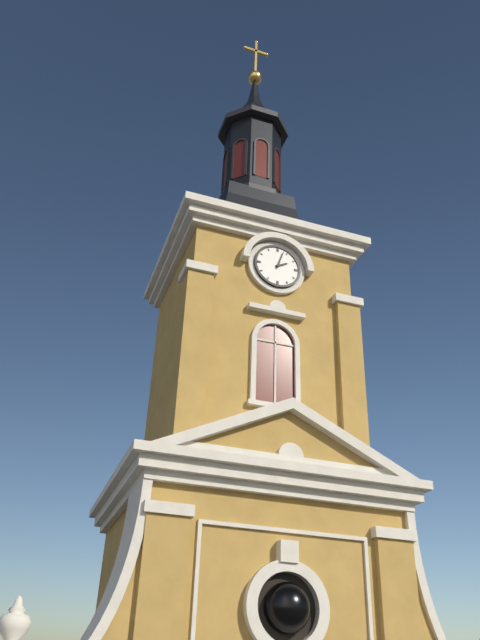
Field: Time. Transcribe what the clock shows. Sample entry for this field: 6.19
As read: 2.03
